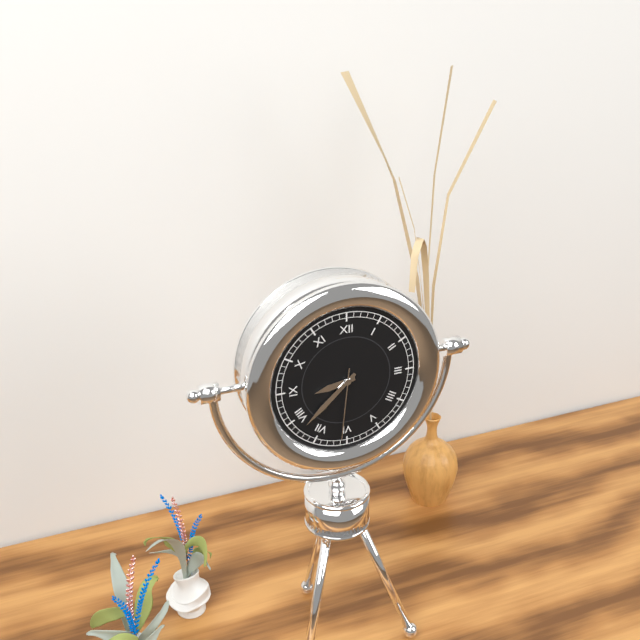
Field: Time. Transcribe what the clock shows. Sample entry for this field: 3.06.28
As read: 8.38.31
